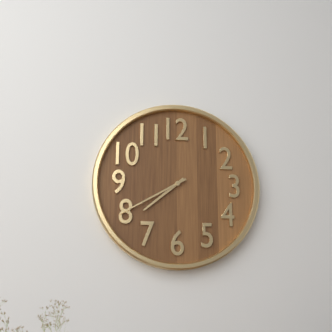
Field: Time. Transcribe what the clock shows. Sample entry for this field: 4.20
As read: 7.40
